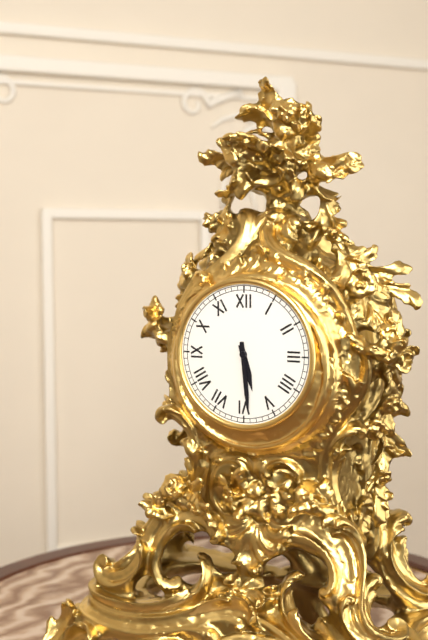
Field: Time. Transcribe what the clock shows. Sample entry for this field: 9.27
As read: 5.29
